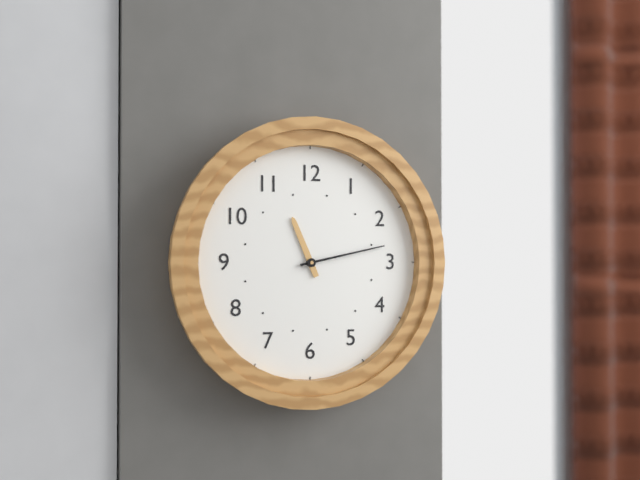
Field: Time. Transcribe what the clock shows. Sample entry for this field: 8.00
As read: 11.13
